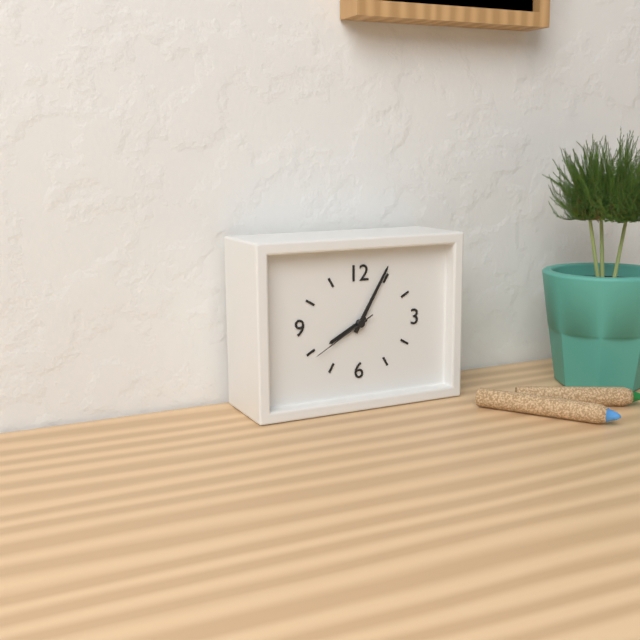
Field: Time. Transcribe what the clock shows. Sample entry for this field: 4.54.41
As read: 8.05.40
